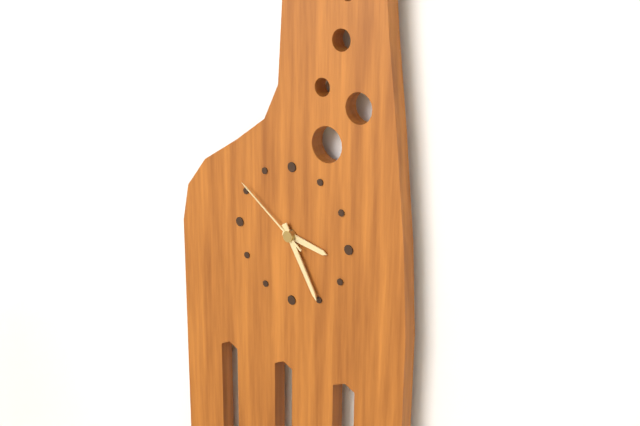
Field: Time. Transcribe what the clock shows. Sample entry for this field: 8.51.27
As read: 3.25.51
